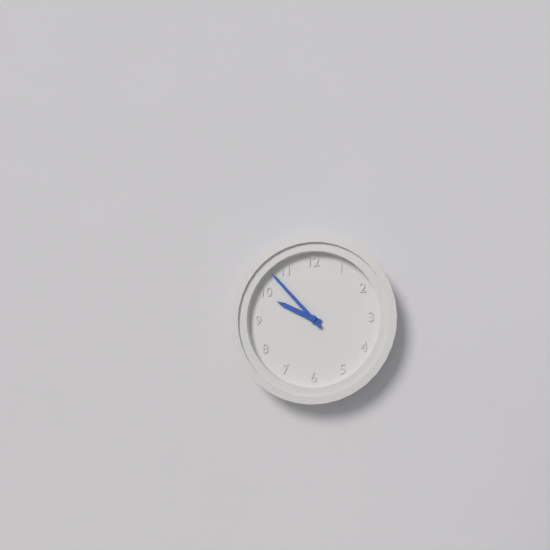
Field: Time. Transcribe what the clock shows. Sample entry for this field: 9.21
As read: 9.53
